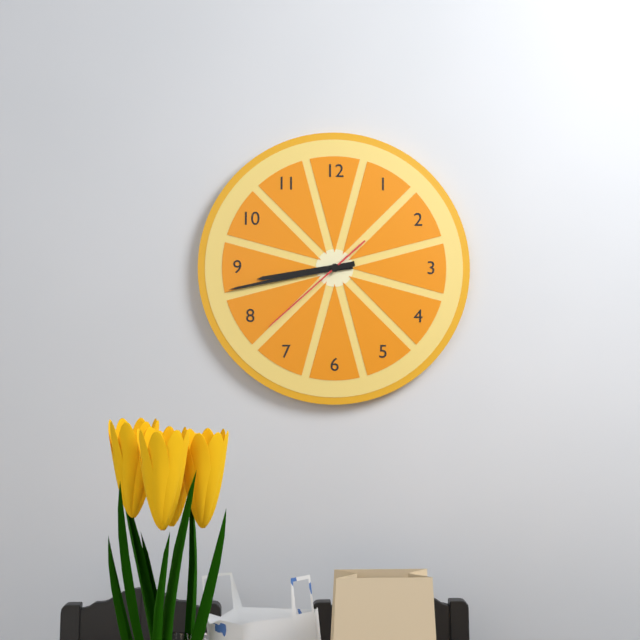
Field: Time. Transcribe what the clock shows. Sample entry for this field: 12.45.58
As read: 8.43.38
